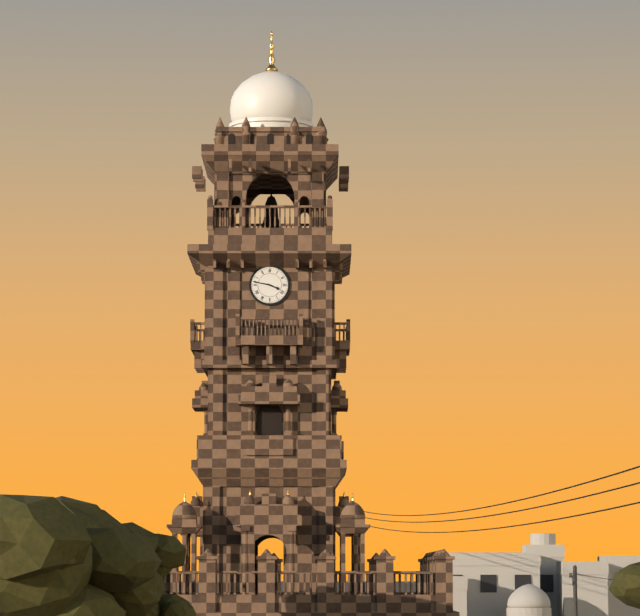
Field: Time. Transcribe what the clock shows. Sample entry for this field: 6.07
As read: 3.47
